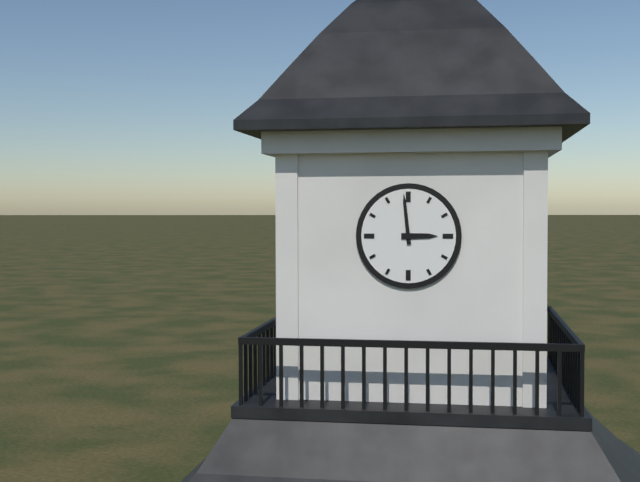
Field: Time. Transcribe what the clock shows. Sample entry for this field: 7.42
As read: 2.59
